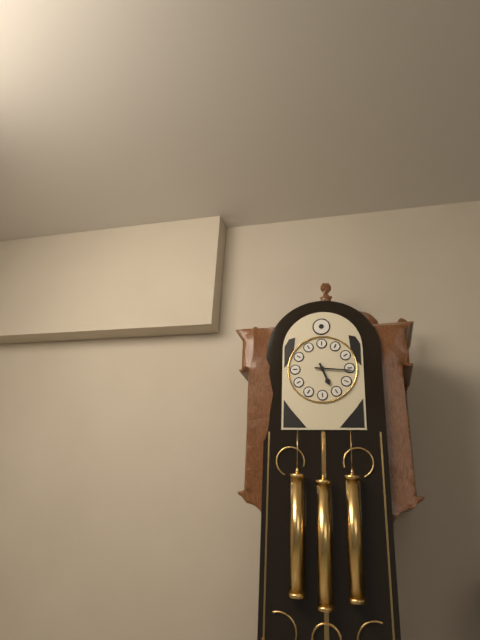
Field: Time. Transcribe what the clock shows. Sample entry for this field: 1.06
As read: 5.16
